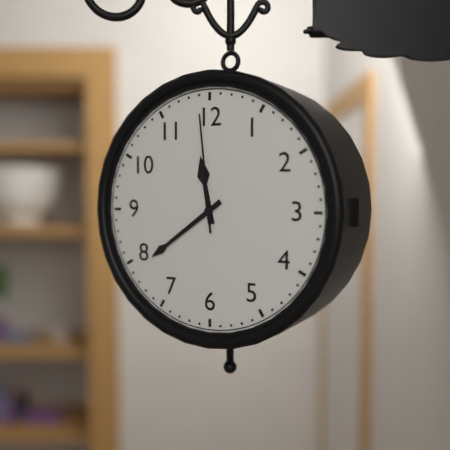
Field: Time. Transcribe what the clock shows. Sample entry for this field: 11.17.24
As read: 11.39.59
